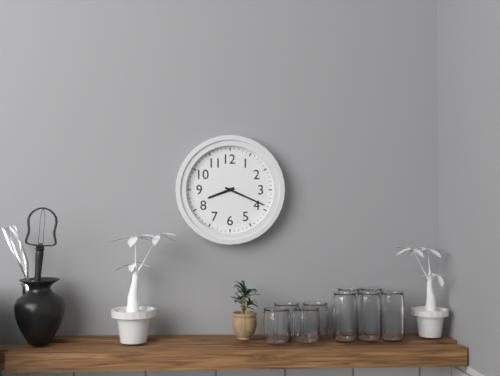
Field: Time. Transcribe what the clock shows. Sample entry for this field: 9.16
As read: 8.19
